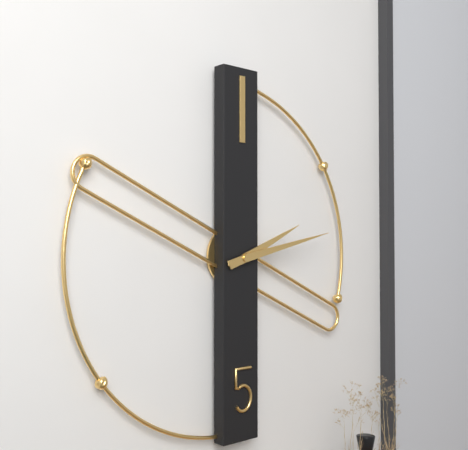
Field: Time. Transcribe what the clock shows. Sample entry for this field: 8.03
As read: 2.13
